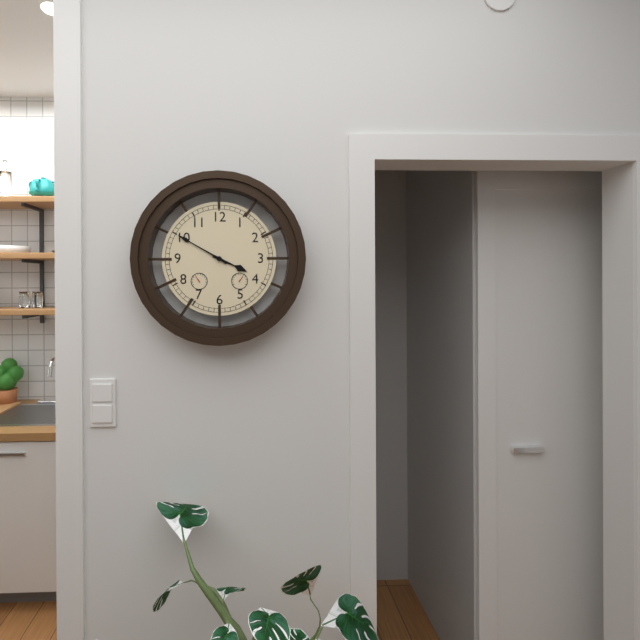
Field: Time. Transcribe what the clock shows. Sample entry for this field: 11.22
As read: 3.50
